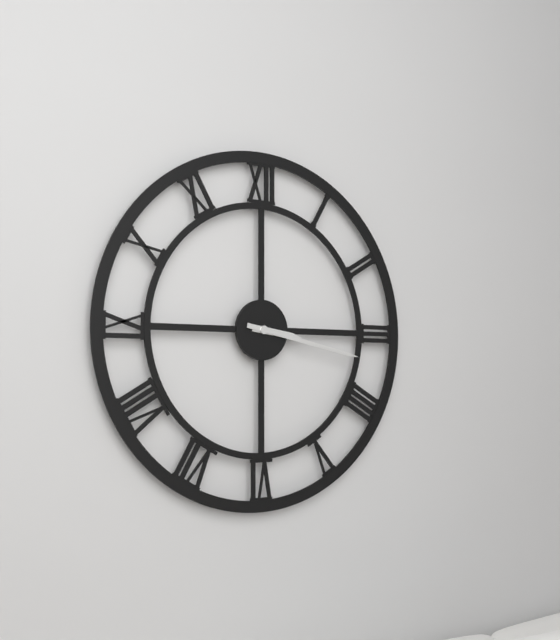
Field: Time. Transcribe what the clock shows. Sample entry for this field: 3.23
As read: 3.17
